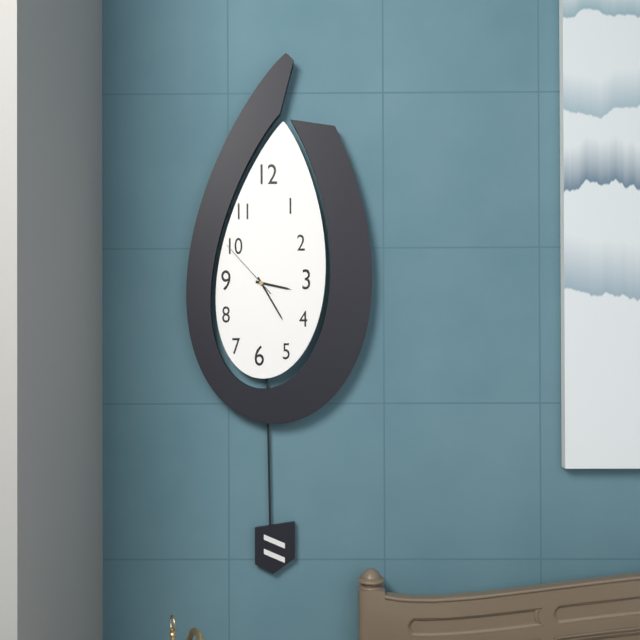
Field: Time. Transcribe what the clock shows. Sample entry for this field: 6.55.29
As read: 3.25.53
